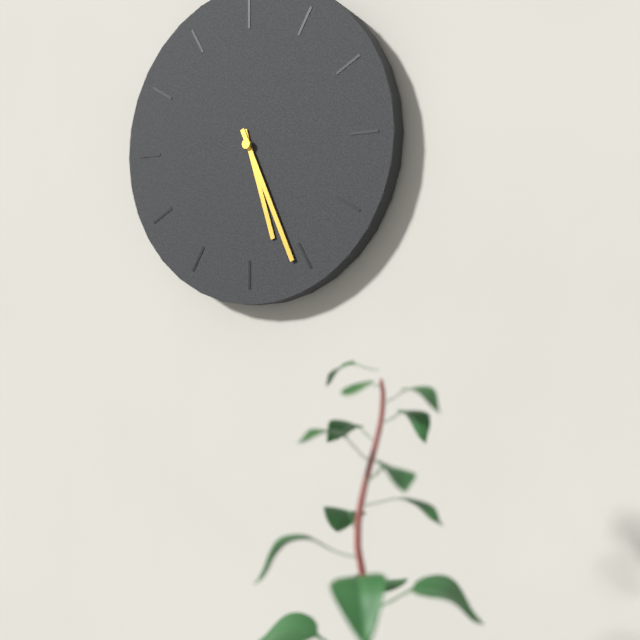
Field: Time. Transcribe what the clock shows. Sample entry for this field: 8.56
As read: 5.26
